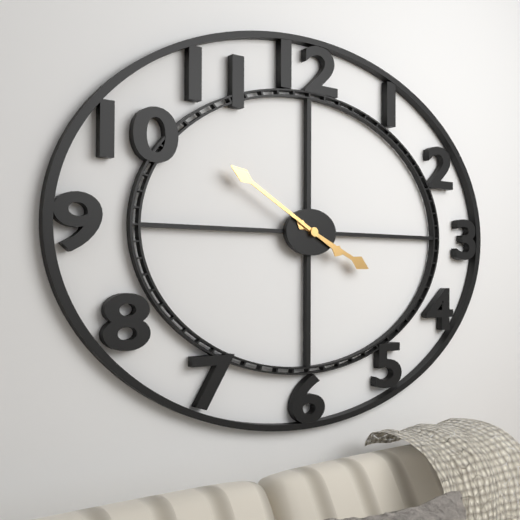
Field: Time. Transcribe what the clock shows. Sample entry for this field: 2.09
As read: 3.50
